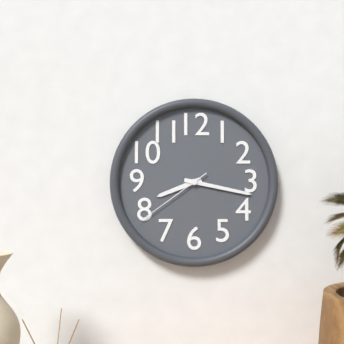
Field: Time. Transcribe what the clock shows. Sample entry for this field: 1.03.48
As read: 8.17.39
